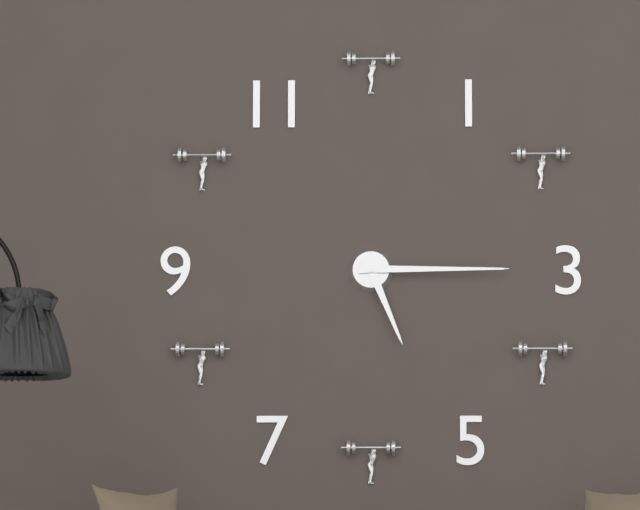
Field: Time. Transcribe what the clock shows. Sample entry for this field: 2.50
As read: 5.15
